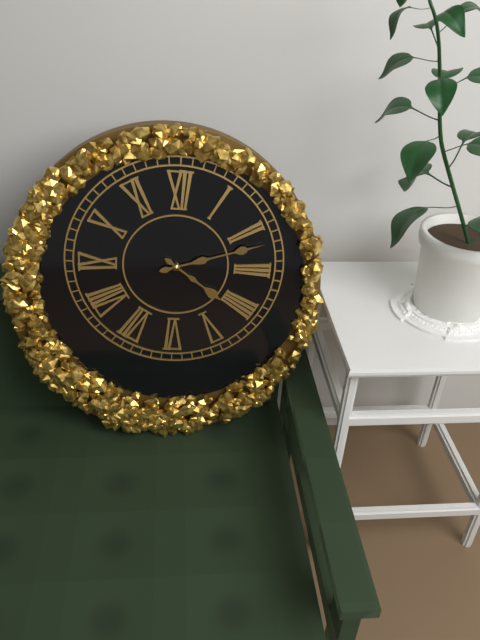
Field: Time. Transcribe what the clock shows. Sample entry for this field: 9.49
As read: 4.12
